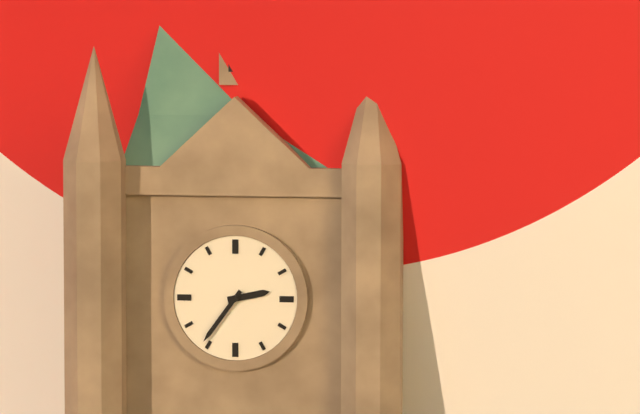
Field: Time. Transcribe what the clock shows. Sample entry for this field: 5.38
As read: 2.36
